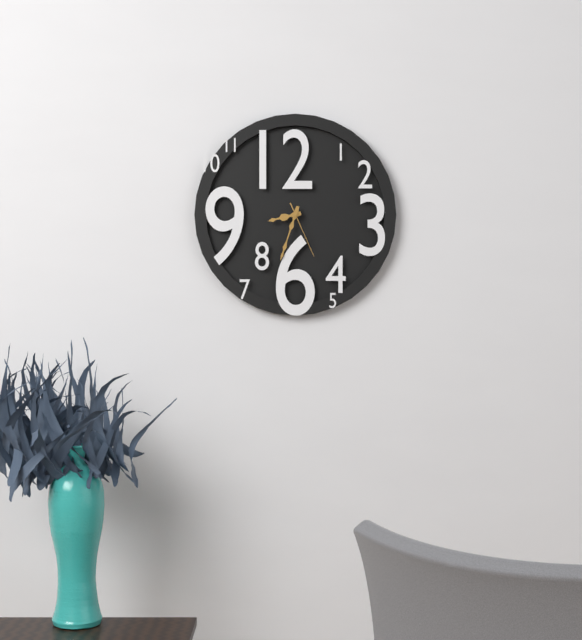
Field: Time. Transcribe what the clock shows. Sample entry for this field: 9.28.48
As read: 8.33.26
